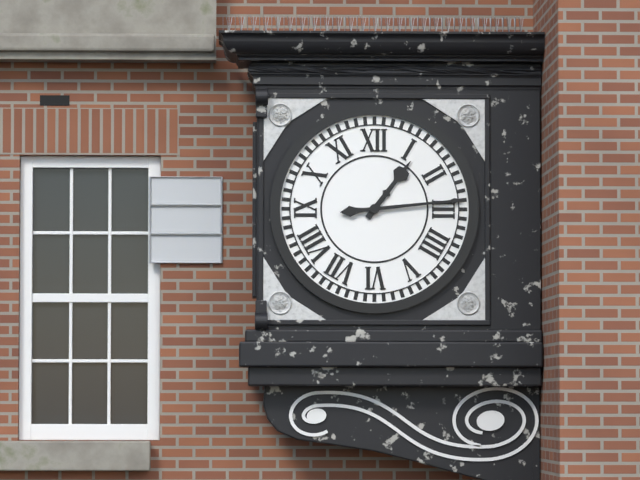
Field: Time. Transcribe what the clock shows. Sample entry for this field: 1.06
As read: 1.14
